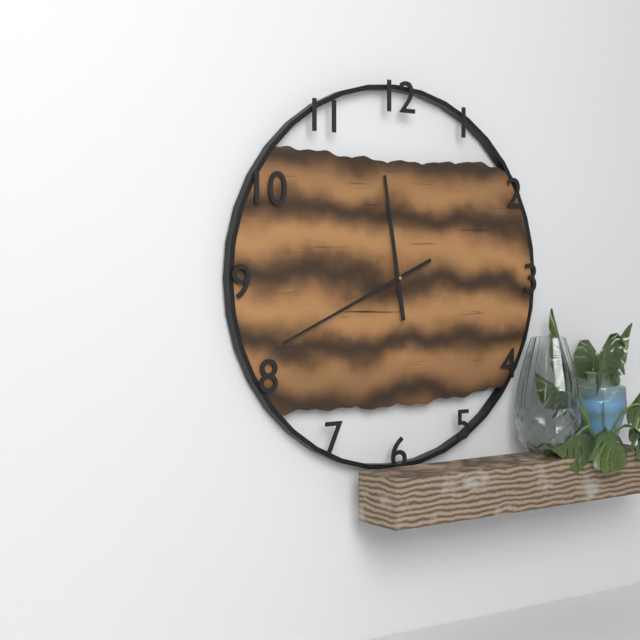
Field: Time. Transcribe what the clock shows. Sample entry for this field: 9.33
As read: 11.41
